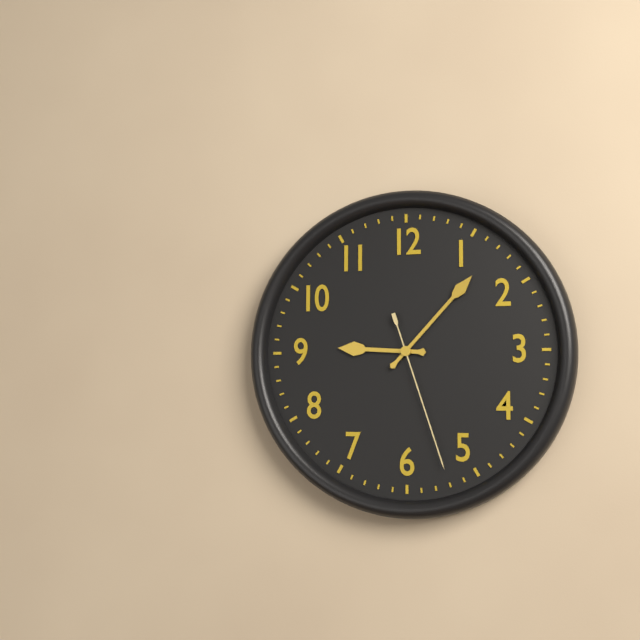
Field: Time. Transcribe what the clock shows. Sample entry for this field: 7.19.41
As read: 9.07.27
